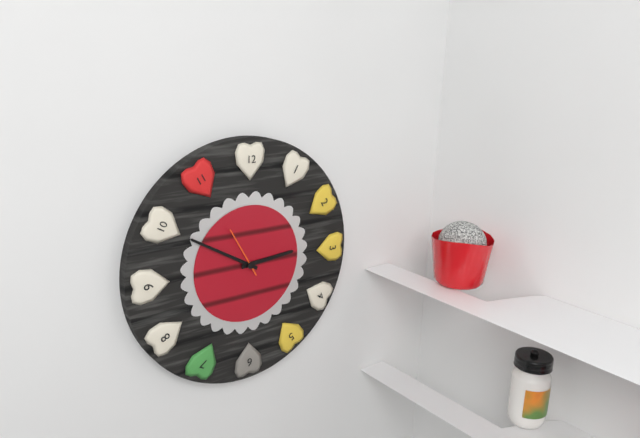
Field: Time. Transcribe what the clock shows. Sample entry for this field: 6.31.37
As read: 2.50.55
